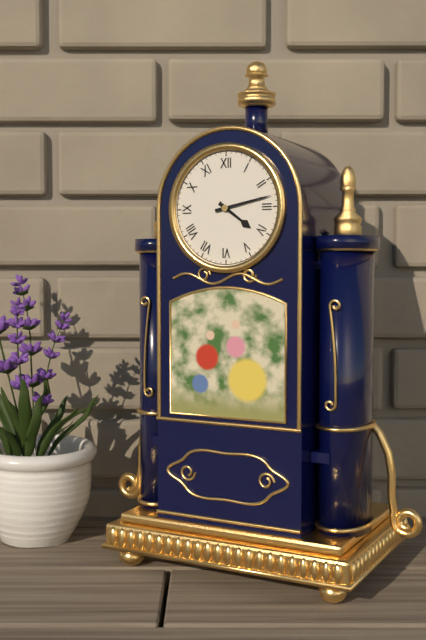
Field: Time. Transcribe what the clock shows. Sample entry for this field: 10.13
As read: 4.13
